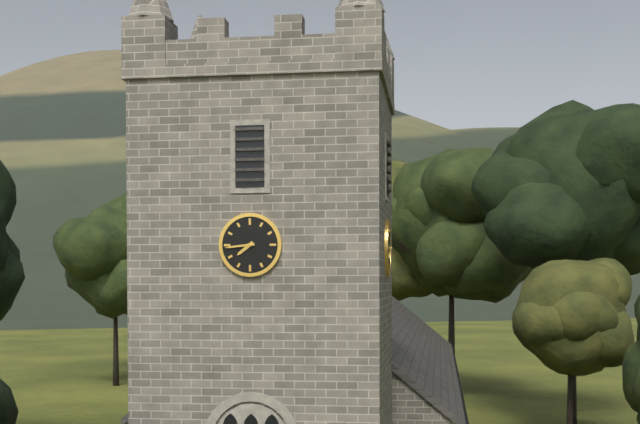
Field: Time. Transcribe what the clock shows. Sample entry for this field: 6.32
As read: 7.44
